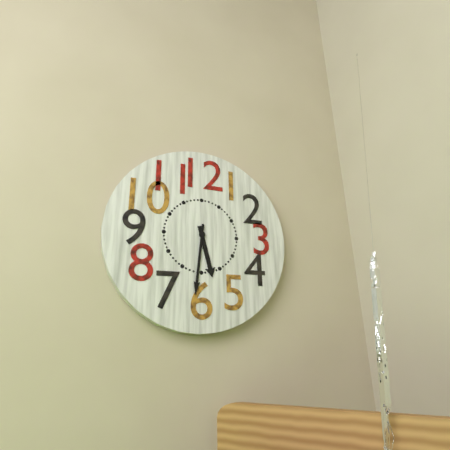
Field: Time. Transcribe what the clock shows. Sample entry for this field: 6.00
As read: 5.31
